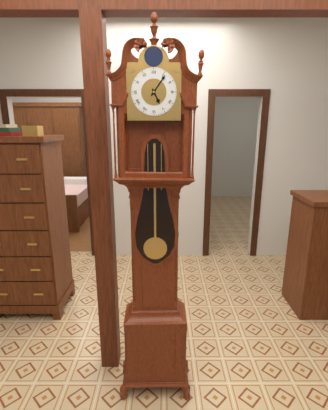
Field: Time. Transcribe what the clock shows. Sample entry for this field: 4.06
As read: 5.06
